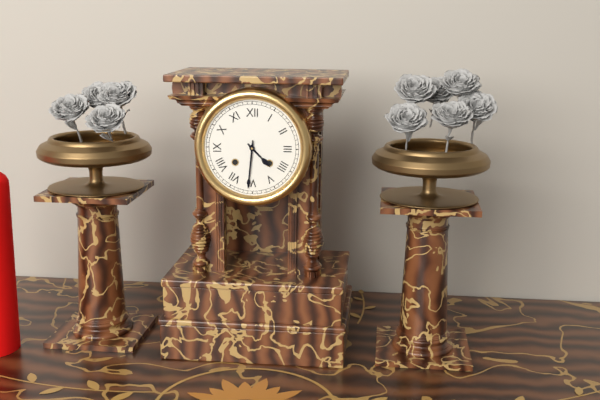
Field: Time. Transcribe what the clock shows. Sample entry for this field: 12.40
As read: 4.31
